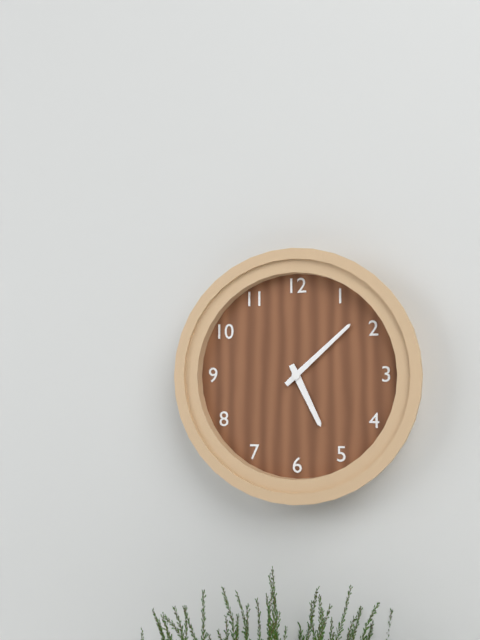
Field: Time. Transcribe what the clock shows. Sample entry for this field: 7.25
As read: 5.08
